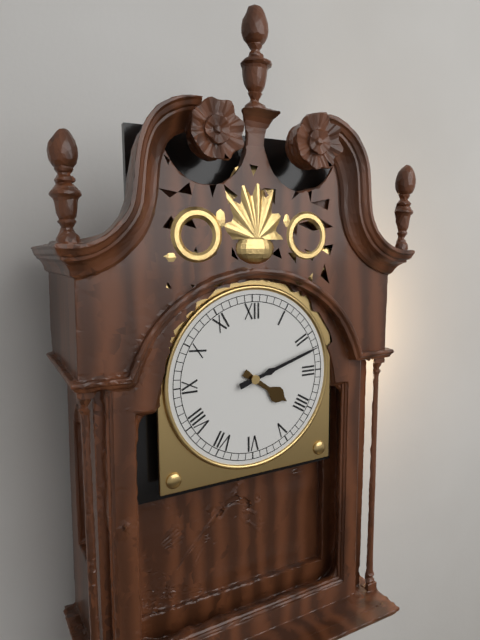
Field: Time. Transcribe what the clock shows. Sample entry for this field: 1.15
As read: 4.12
